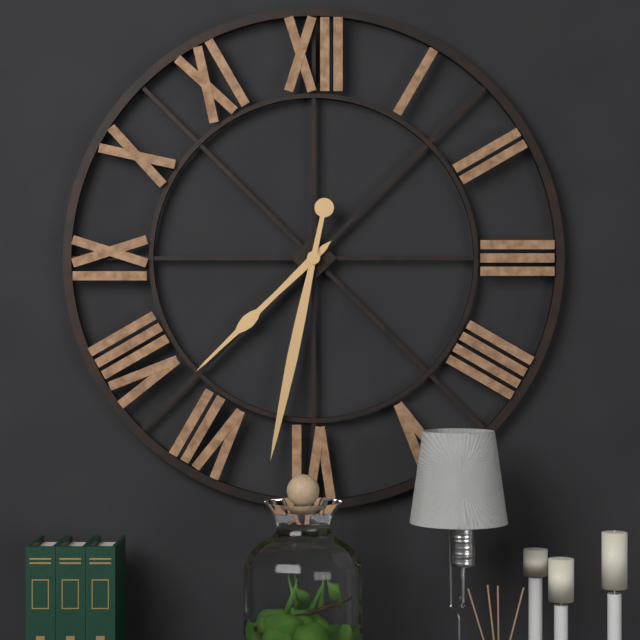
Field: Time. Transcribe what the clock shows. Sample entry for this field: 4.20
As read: 7.32
